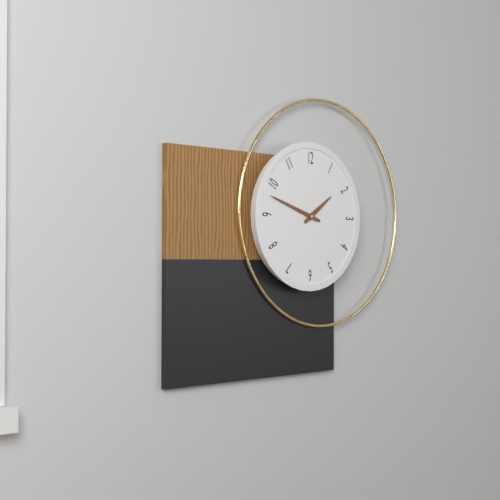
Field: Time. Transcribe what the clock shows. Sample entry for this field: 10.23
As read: 1.48
